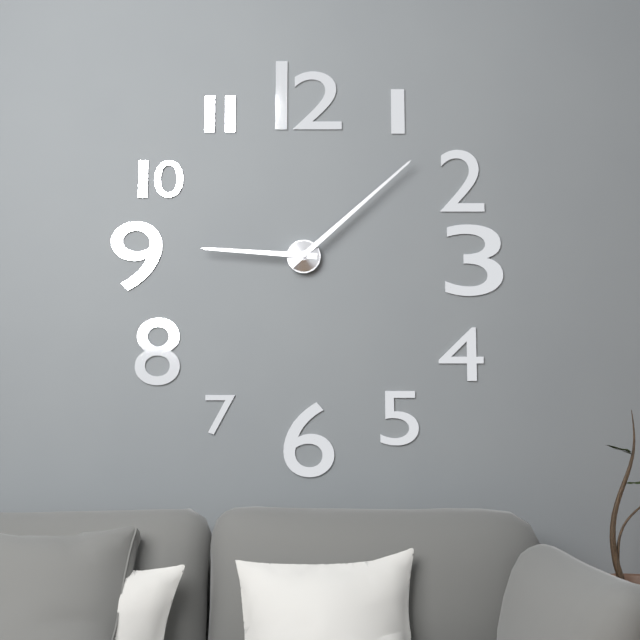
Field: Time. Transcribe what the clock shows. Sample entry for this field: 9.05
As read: 9.08
